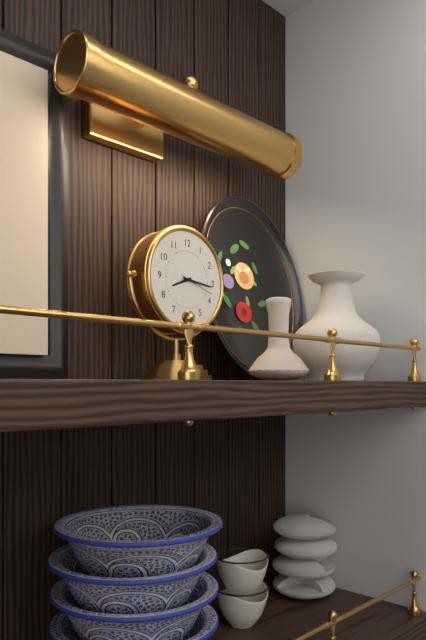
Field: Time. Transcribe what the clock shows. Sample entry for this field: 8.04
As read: 8.16
